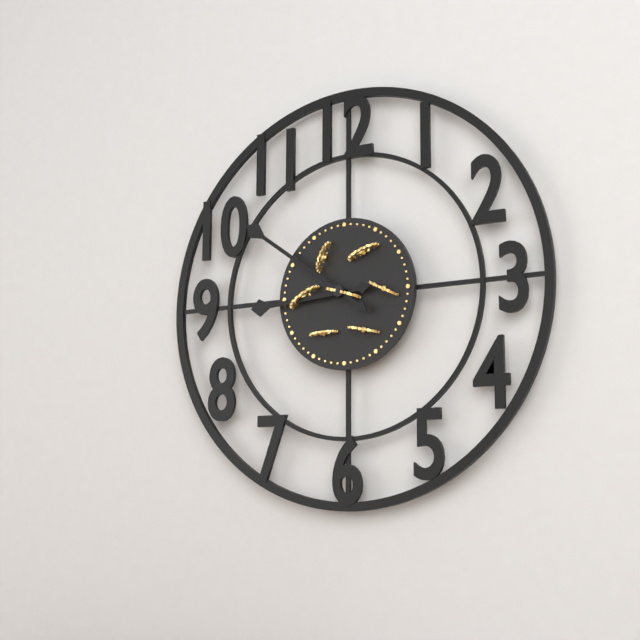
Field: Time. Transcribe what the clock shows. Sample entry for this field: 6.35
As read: 8.51
